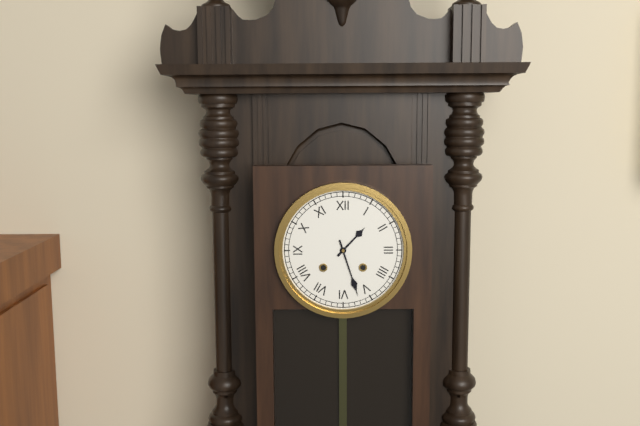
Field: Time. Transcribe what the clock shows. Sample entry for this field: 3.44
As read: 1.27
